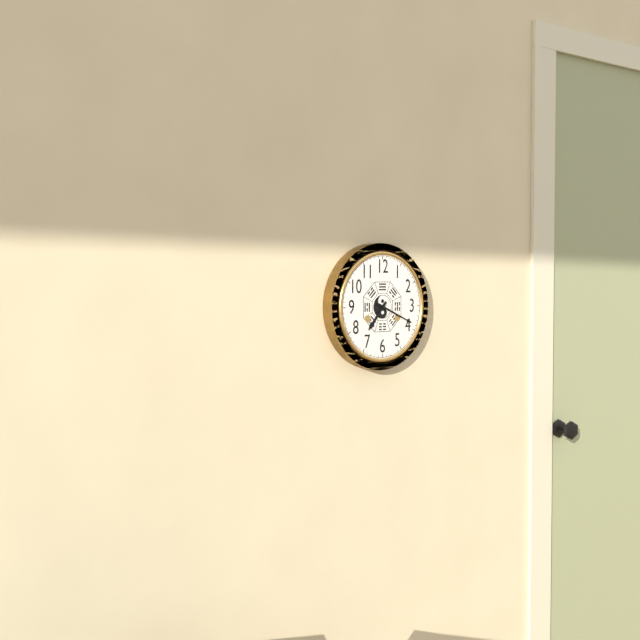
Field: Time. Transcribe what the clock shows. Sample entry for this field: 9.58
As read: 7.19
